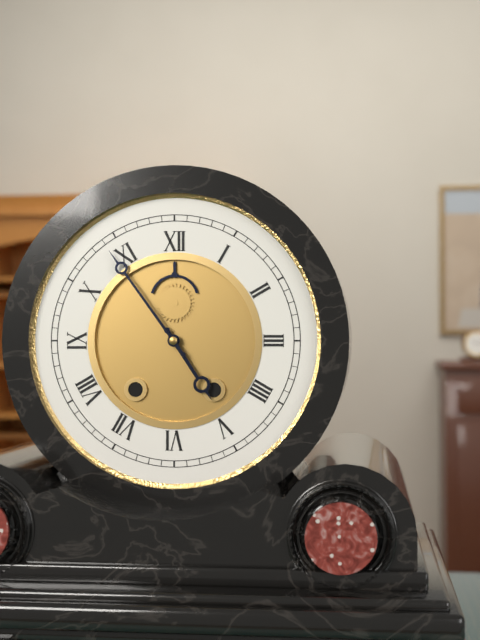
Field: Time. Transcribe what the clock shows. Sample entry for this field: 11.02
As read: 4.54
